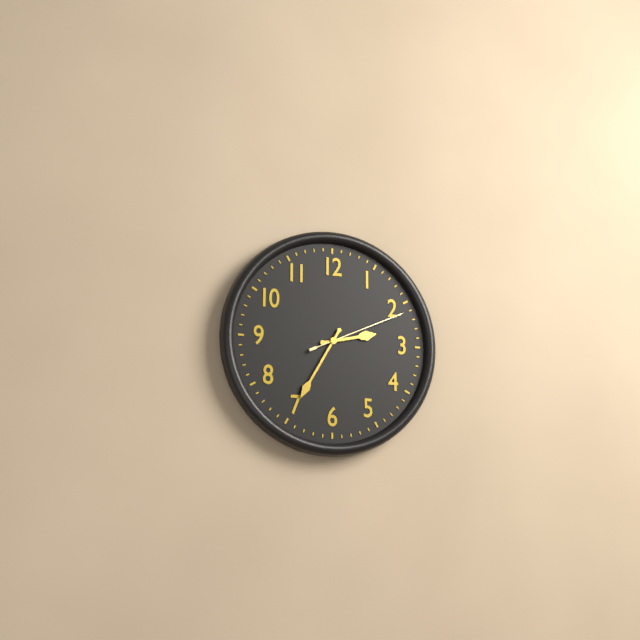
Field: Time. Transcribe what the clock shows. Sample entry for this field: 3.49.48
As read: 2.35.11
